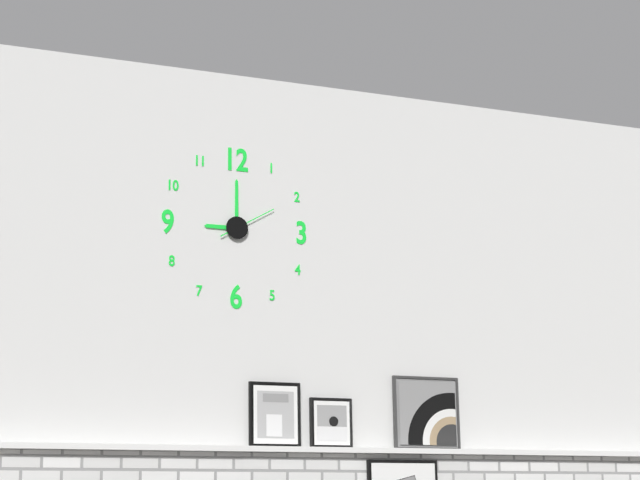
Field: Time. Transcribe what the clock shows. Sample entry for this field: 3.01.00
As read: 9.00.10
